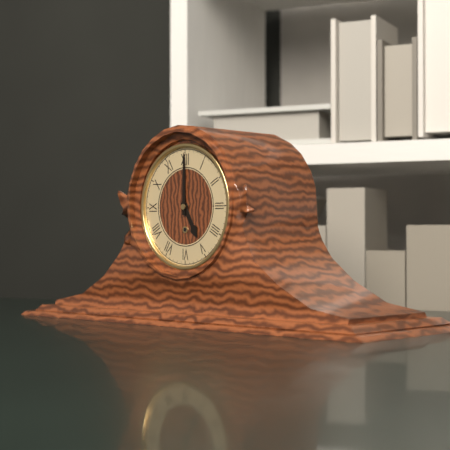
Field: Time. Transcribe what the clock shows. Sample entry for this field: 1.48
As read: 5.00
